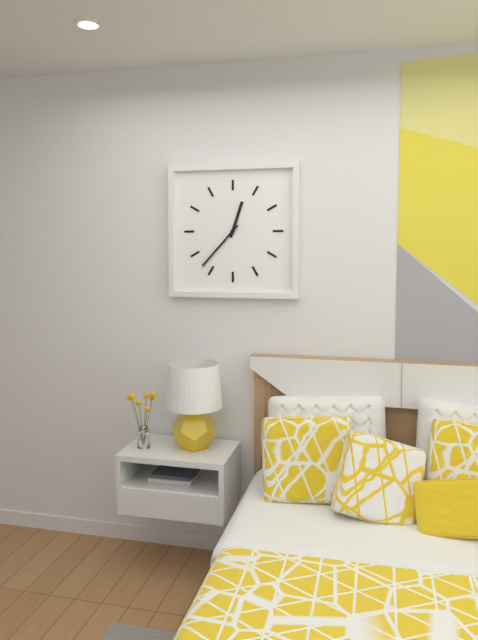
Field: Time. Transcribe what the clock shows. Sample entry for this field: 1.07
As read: 12.37
